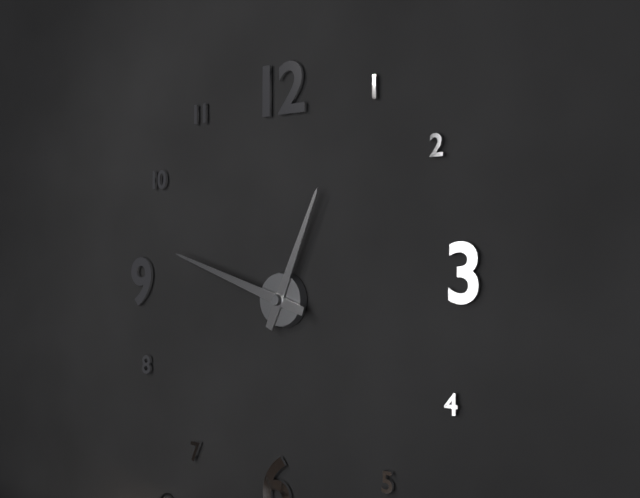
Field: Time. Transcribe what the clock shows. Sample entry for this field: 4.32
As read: 12.48
